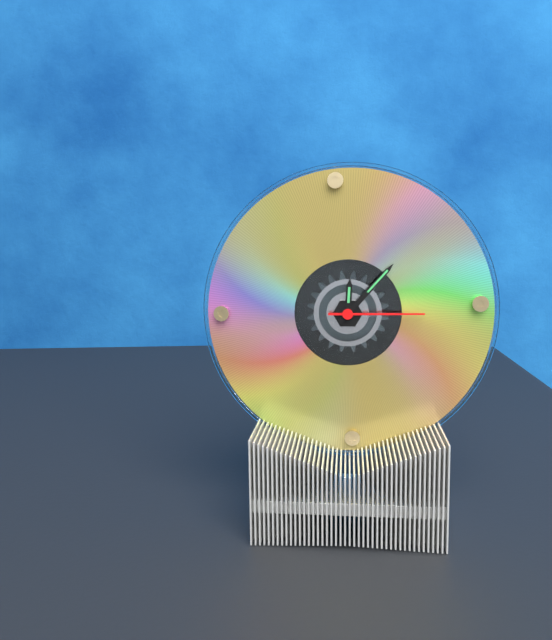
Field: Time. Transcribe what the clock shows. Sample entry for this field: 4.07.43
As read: 12.07.15
